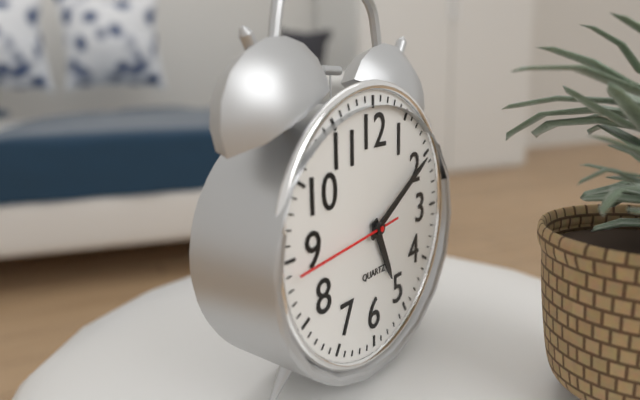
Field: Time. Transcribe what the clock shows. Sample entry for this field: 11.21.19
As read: 5.10.44
